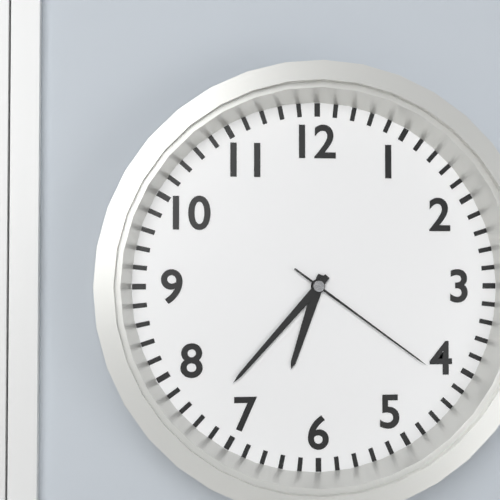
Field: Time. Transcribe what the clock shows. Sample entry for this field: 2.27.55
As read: 6.37.21
